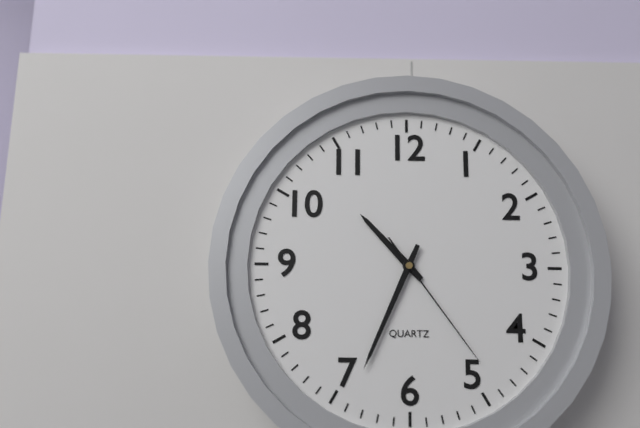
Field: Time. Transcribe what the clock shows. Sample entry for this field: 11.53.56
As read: 10.34.24
